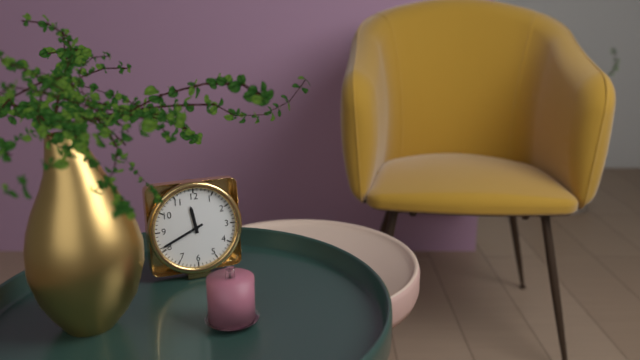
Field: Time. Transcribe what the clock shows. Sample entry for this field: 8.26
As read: 11.41
